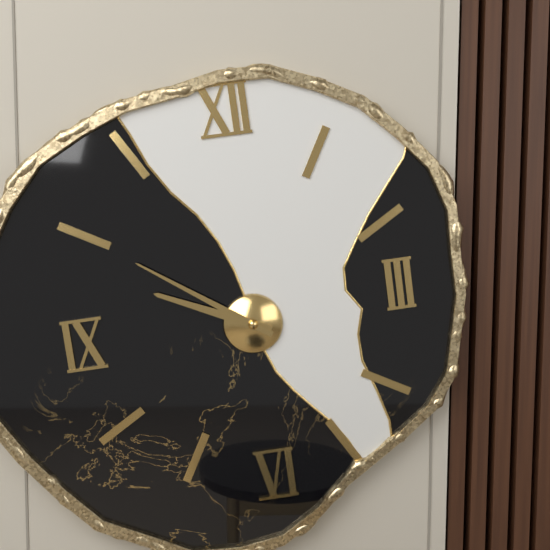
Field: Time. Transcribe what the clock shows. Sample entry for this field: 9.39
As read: 9.51
